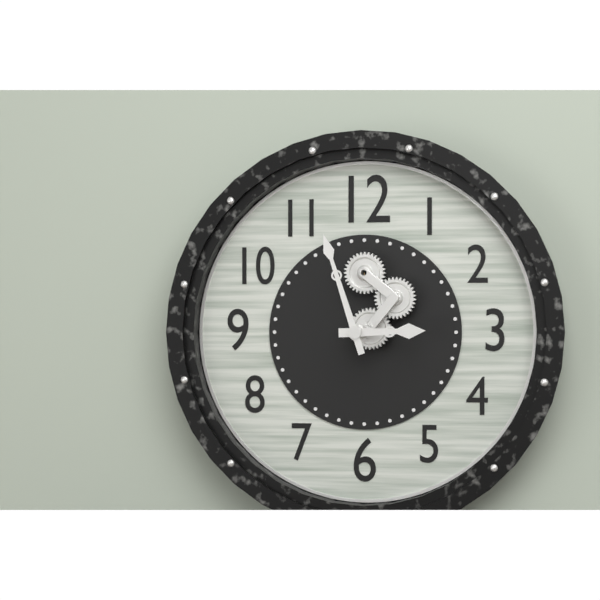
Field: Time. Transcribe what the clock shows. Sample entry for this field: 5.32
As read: 2.57
